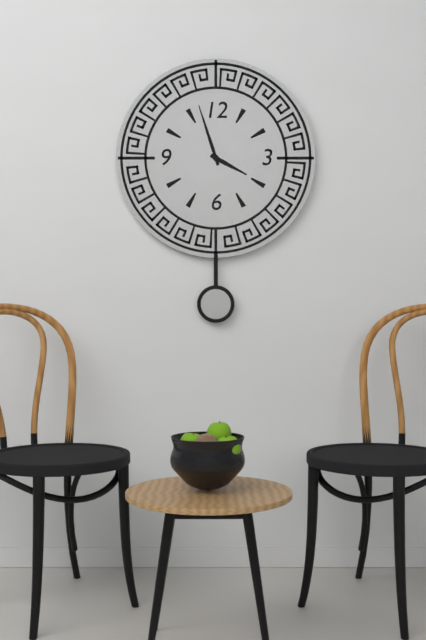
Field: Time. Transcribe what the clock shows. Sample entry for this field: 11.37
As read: 3.57
